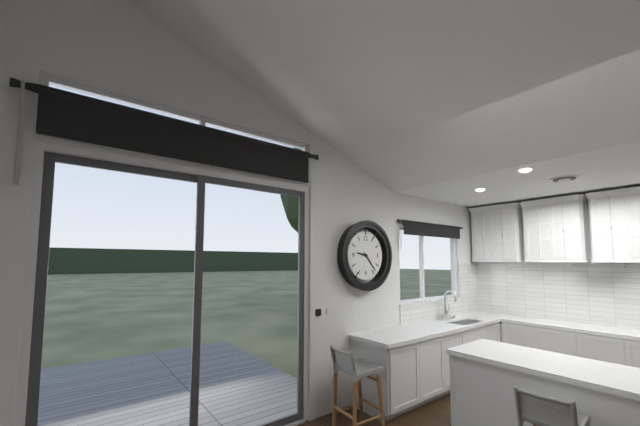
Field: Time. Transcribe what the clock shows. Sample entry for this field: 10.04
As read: 9.23
